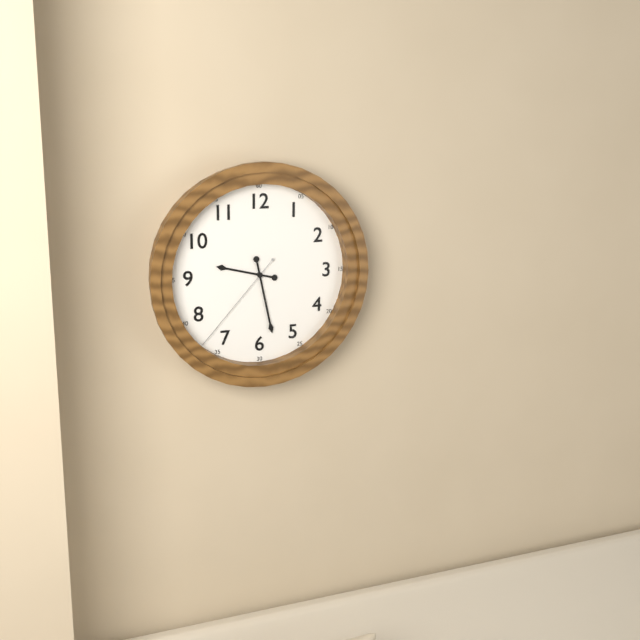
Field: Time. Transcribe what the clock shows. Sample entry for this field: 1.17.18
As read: 9.28.37
